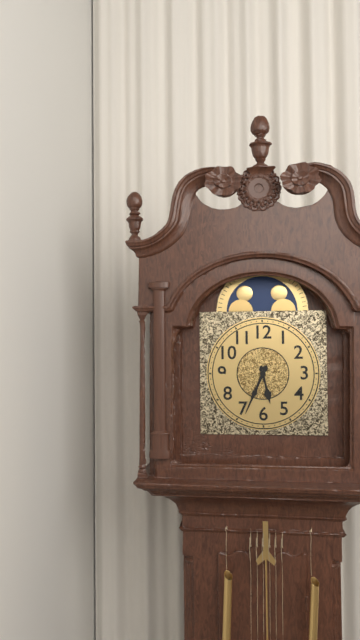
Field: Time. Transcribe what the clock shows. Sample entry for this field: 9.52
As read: 5.34
